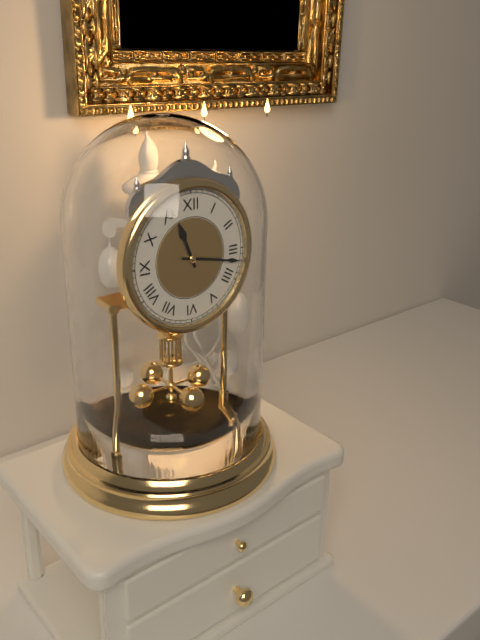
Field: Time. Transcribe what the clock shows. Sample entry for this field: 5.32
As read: 11.17
